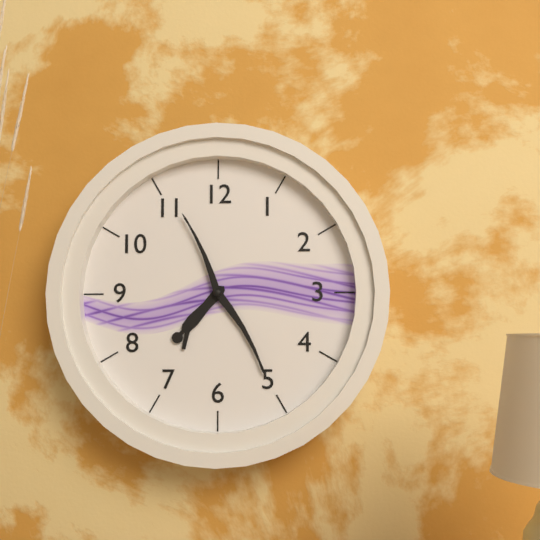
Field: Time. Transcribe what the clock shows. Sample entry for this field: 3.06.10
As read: 7.25.56
